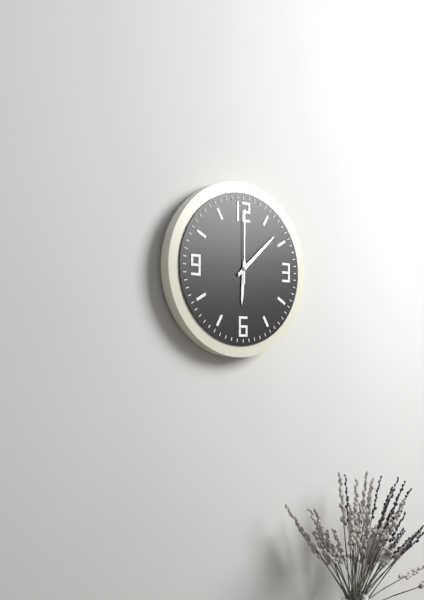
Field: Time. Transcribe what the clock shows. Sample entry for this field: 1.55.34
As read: 6.08.00
